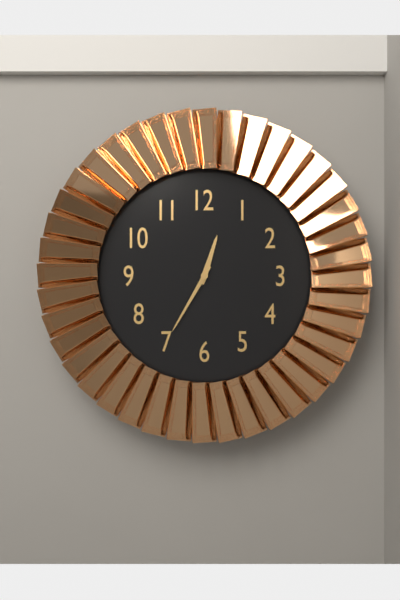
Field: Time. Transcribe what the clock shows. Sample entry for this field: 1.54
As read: 12.35
